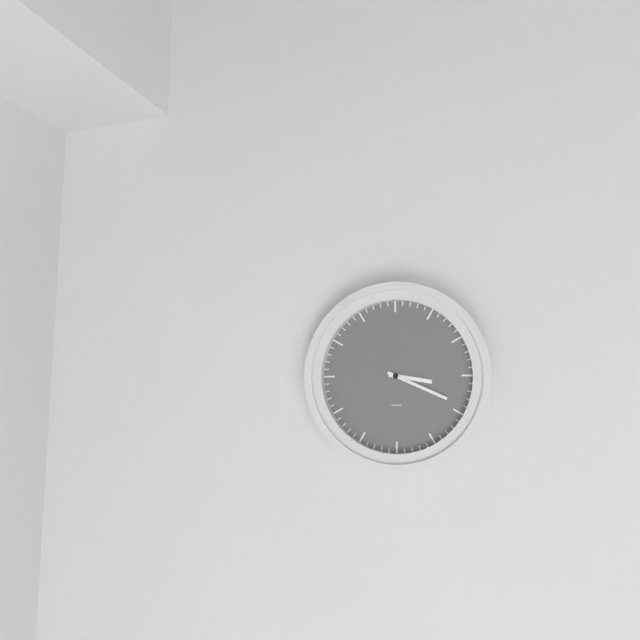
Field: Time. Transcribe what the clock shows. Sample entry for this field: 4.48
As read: 3.19
